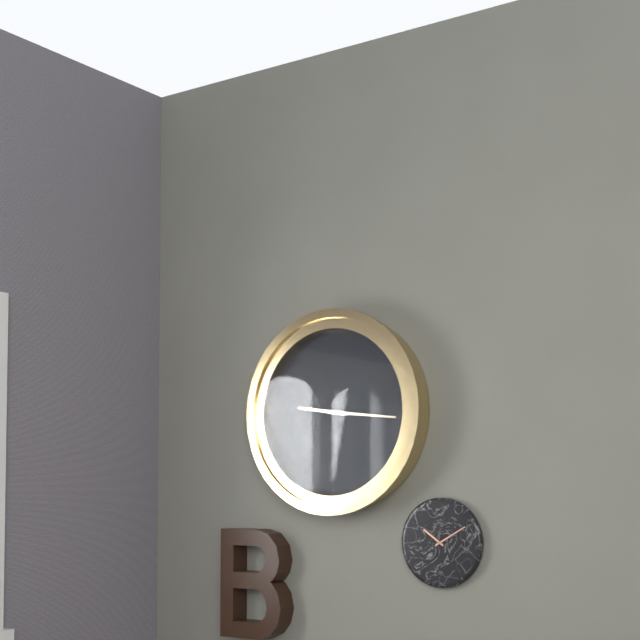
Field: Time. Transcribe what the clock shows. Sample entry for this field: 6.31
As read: 9.16
